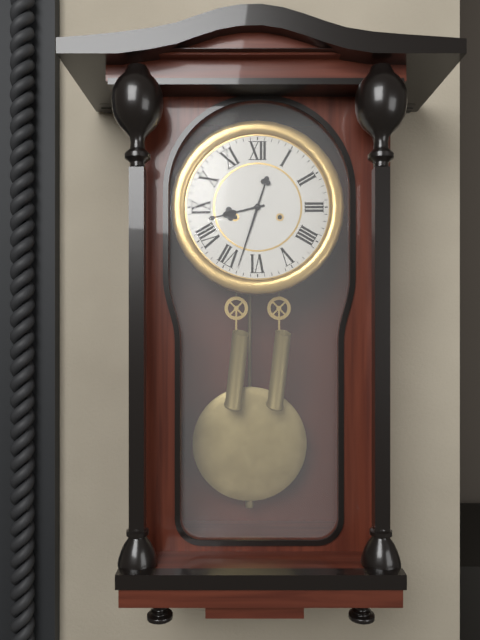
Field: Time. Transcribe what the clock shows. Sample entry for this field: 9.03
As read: 8.33
